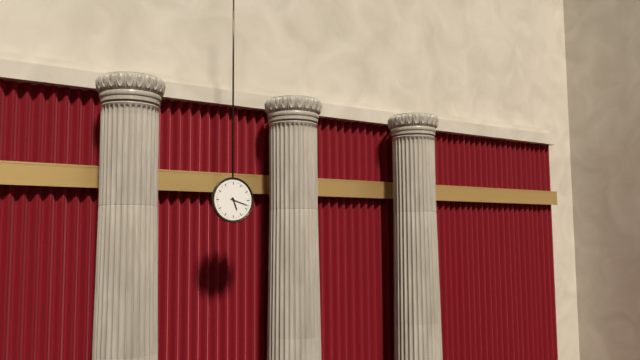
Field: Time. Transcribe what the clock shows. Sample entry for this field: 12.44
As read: 5.18
